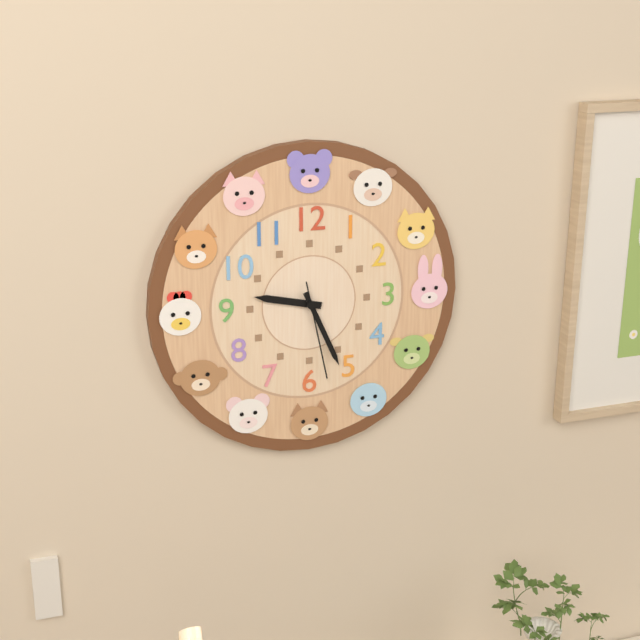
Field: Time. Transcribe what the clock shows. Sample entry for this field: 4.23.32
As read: 9.26.28
